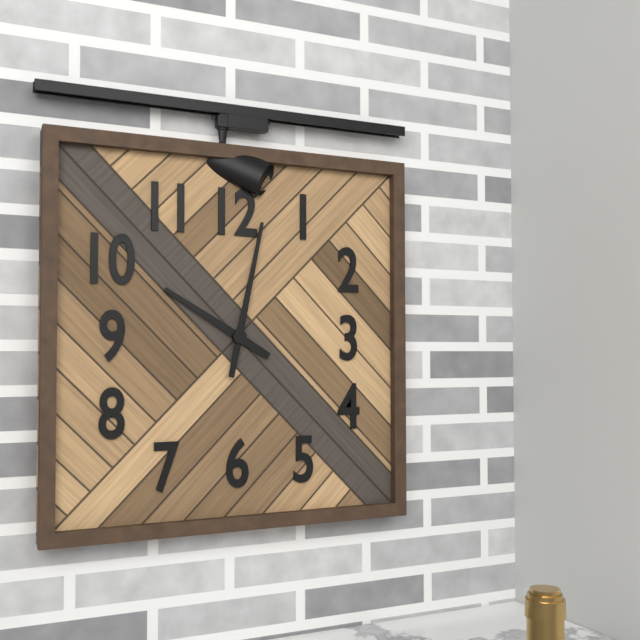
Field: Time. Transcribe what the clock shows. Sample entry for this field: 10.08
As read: 10.02
